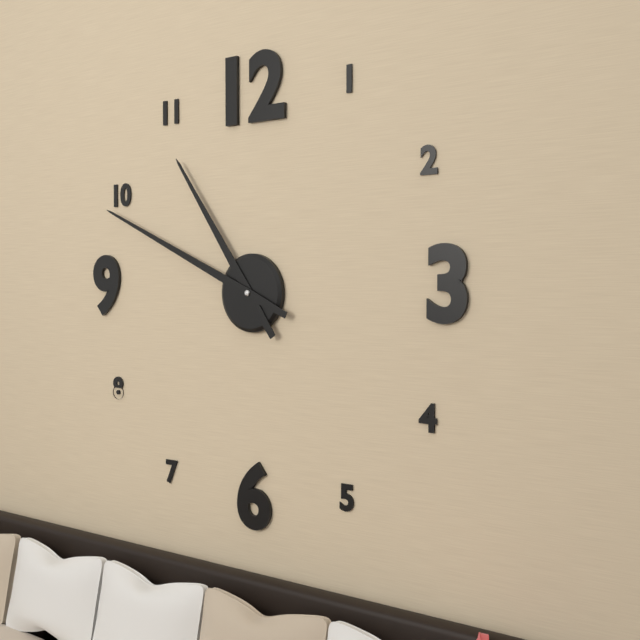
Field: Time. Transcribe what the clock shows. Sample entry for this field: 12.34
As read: 10.49
